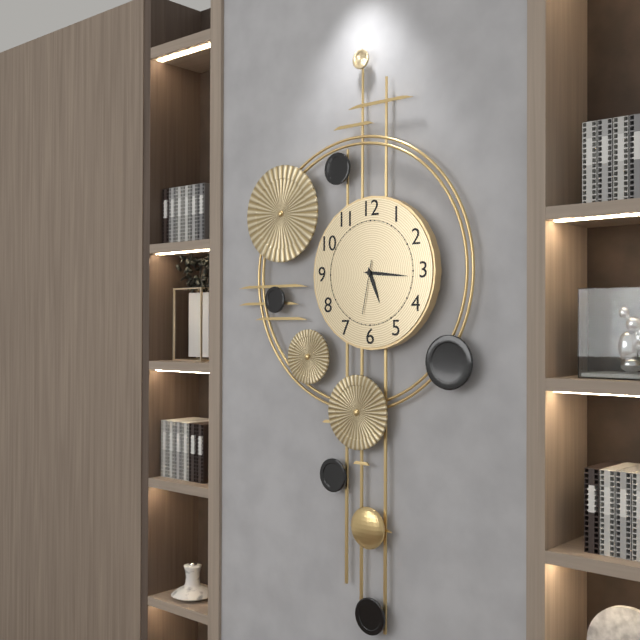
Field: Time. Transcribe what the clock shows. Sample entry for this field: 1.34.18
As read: 5.16.32
